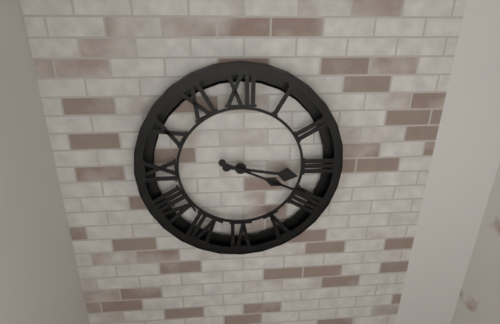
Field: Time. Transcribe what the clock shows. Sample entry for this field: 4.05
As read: 3.19
